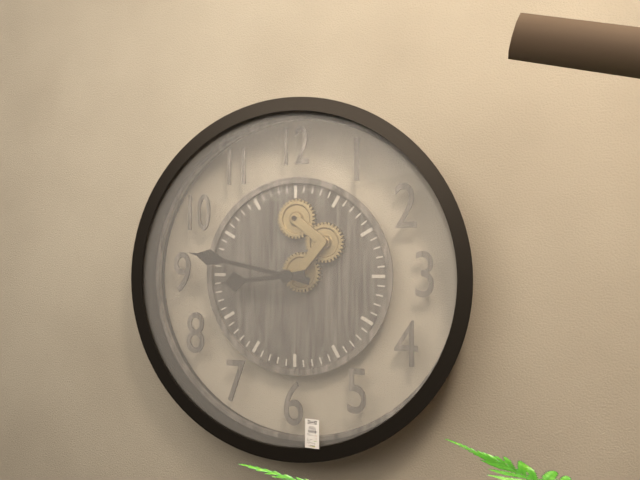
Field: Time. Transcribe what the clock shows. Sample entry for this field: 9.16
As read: 8.47
